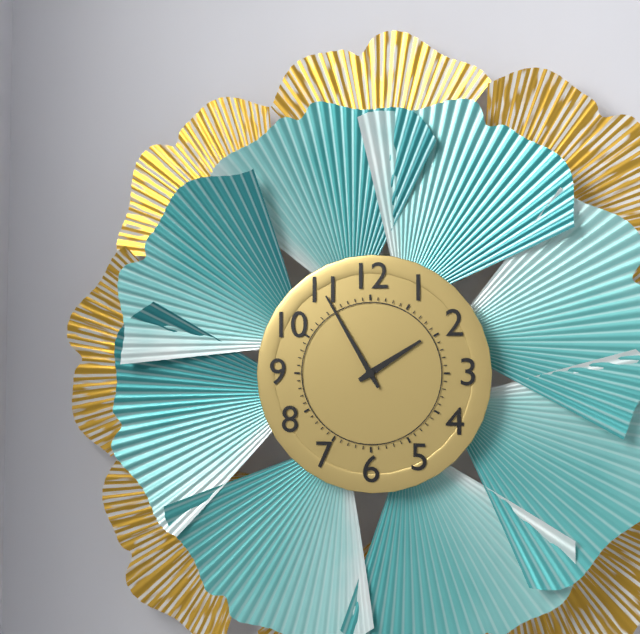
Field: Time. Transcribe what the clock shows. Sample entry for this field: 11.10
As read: 1.55
